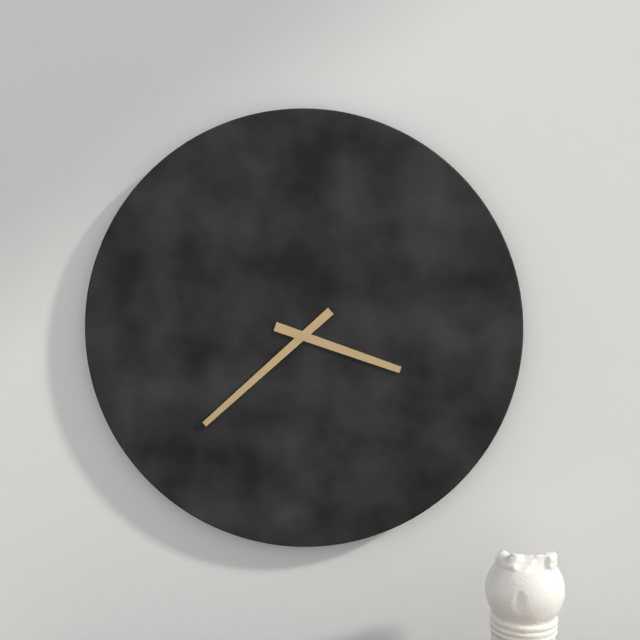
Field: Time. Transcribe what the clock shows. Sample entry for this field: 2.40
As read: 3.38
